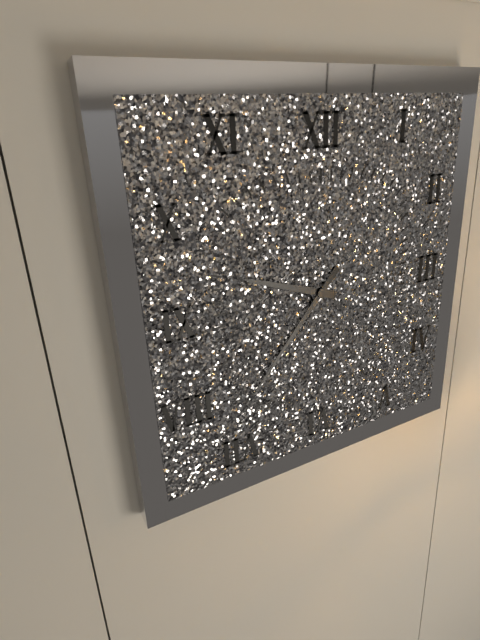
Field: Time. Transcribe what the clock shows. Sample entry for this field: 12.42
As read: 9.37
